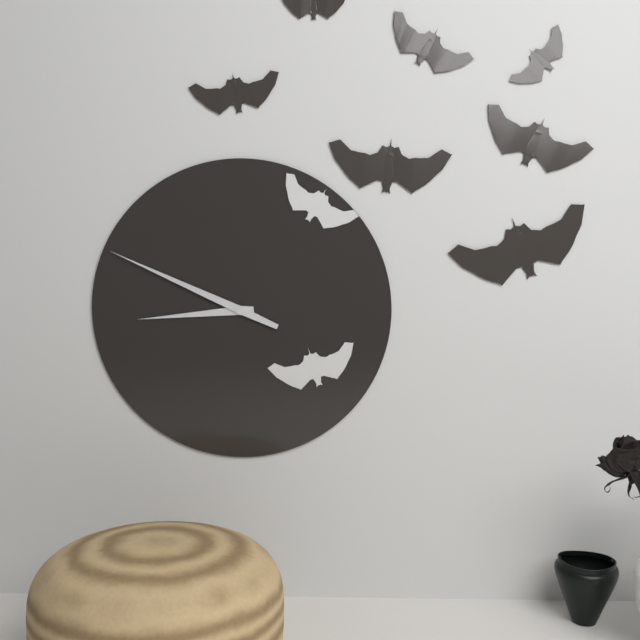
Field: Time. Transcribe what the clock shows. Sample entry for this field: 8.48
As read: 8.49
